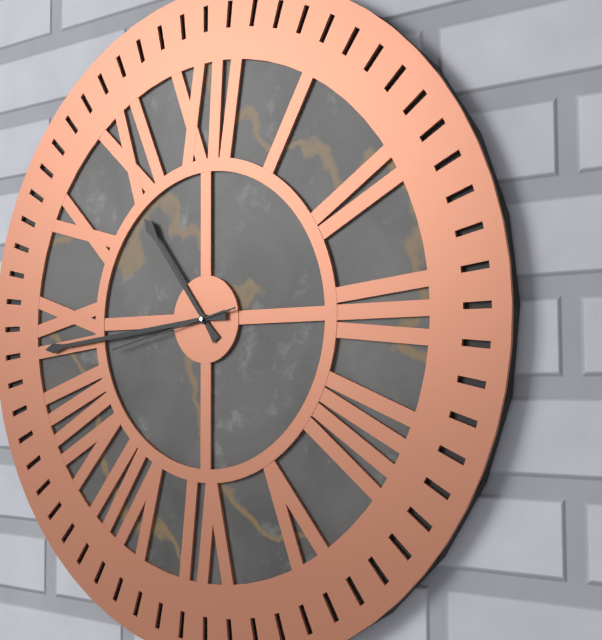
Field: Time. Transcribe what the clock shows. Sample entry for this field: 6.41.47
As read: 10.44.43
